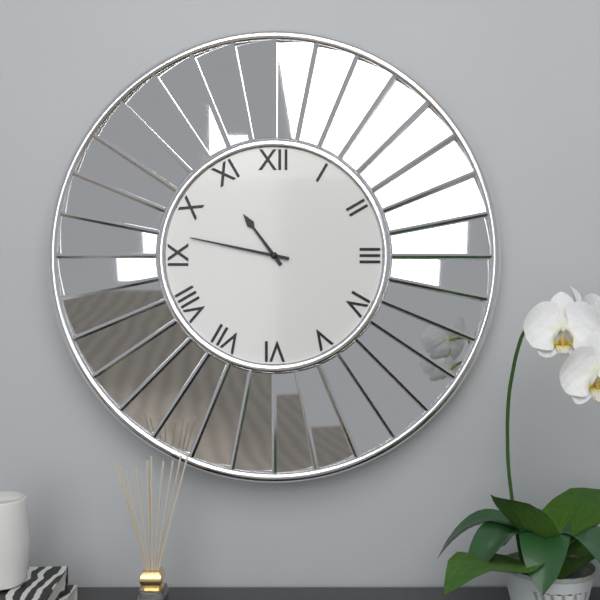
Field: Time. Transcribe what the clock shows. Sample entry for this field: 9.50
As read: 10.47
